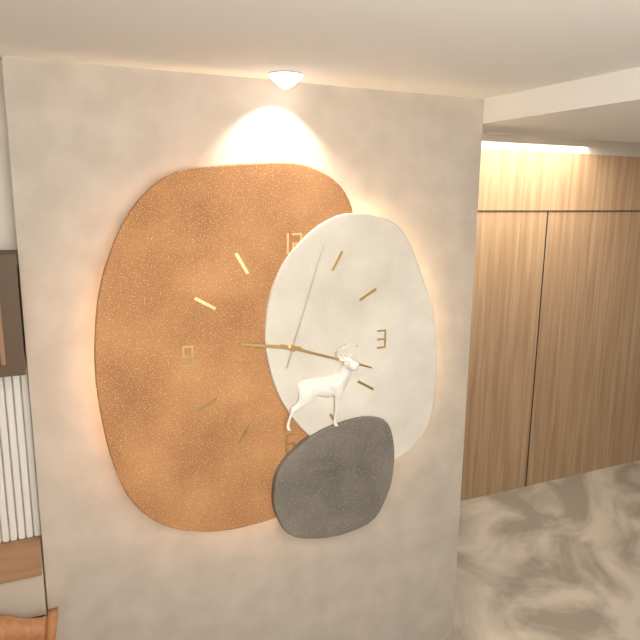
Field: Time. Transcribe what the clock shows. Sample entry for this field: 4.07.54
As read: 9.18.03
